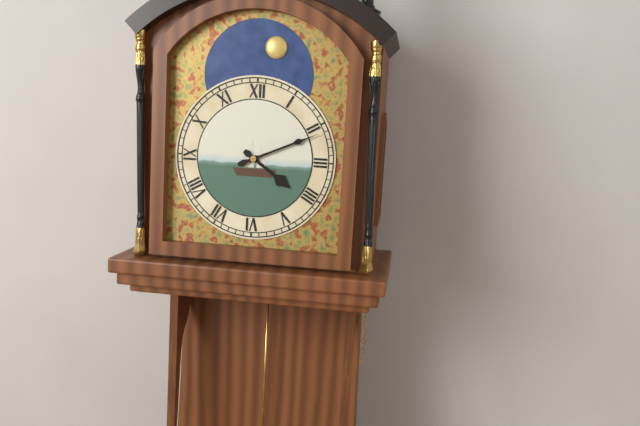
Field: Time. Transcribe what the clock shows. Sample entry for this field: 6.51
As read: 4.11
